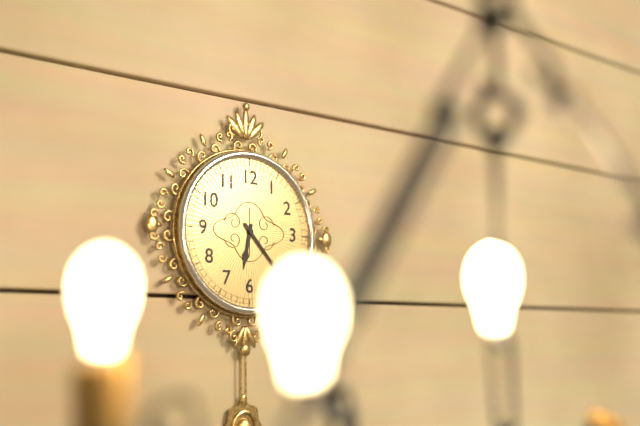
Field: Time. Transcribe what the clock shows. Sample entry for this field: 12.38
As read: 6.23
